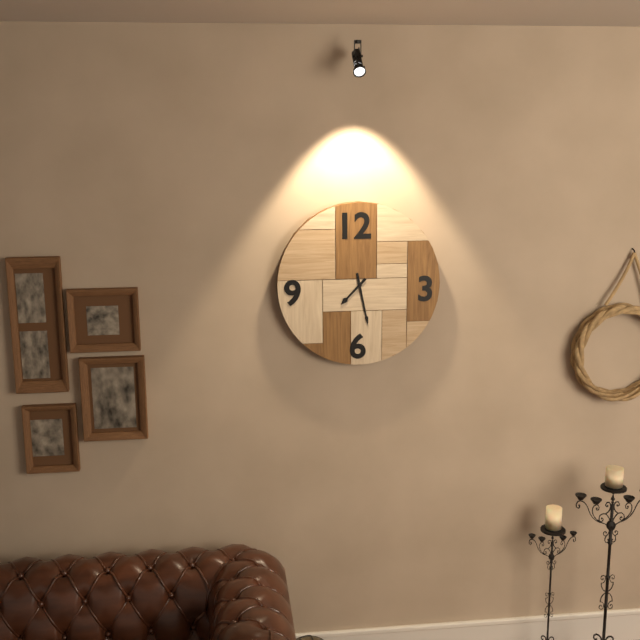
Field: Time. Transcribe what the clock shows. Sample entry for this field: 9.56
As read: 7.28
